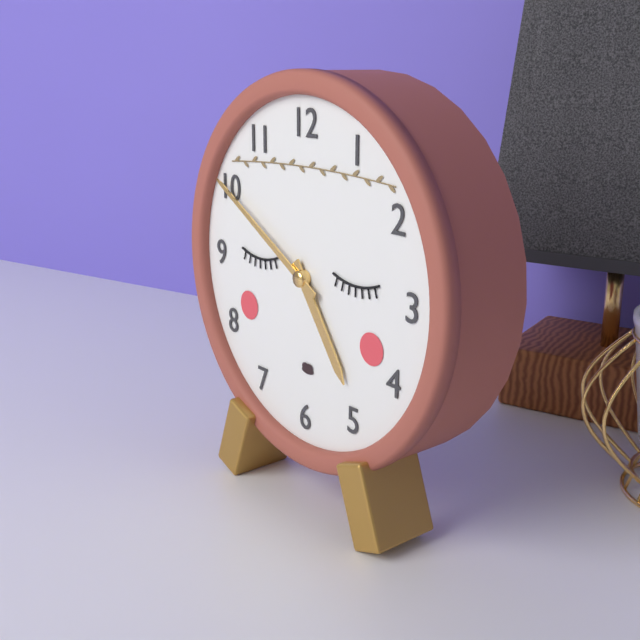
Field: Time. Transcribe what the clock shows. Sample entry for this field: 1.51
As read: 4.50
